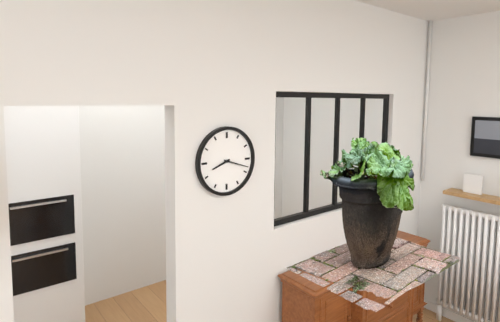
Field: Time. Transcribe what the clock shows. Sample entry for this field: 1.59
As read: 8.18
